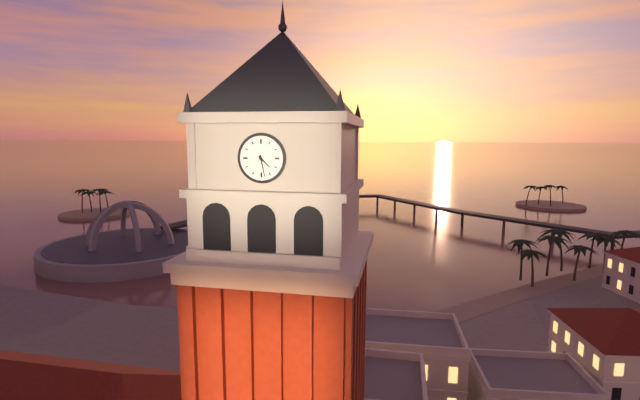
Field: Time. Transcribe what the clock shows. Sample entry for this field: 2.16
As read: 4.28
